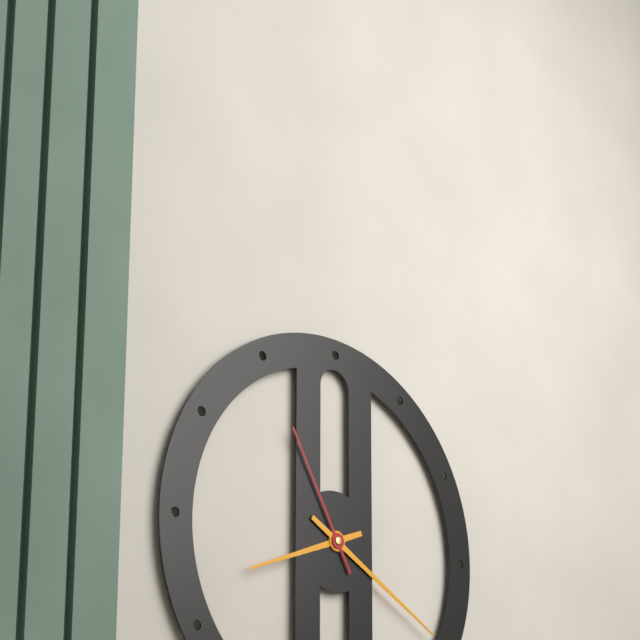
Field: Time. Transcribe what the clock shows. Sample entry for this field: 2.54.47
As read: 8.20.55
